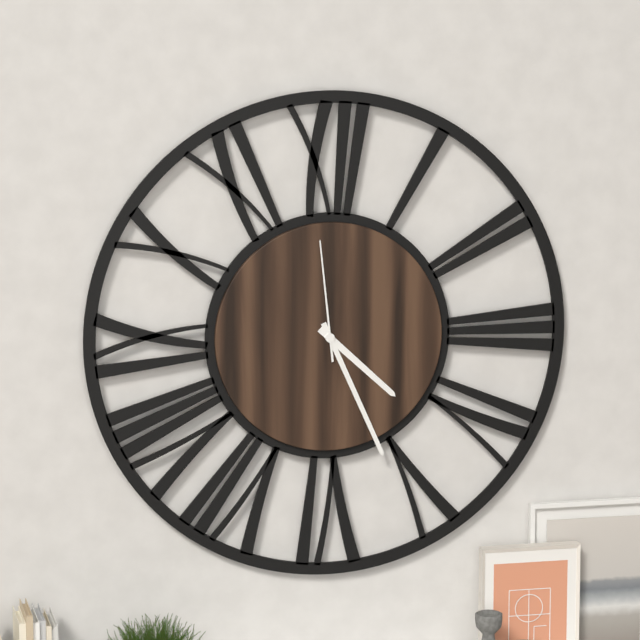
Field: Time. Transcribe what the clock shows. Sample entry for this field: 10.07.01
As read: 4.26.59
